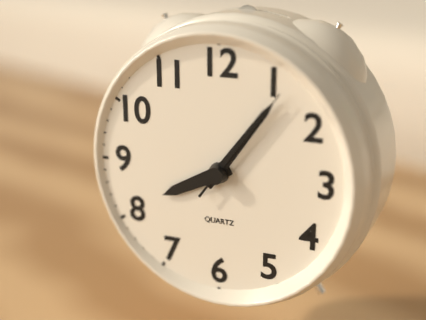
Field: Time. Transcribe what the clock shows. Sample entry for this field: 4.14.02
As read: 8.06.06
